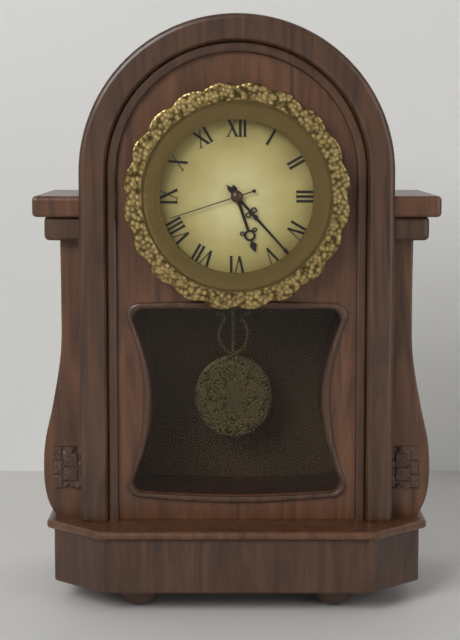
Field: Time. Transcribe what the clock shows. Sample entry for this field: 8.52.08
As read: 5.23.42
